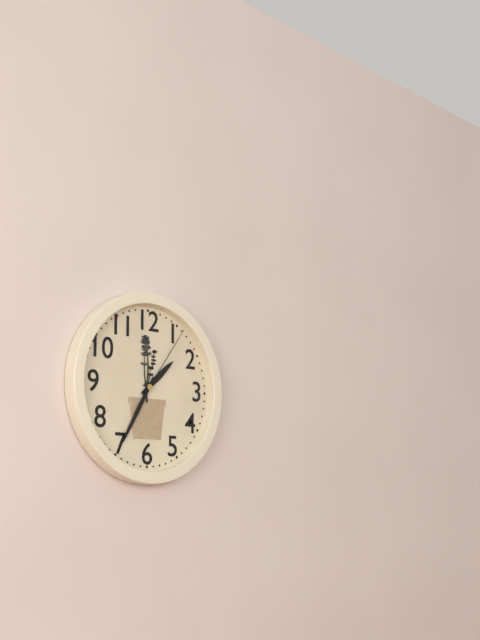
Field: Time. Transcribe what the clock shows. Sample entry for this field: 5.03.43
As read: 1.35.06
